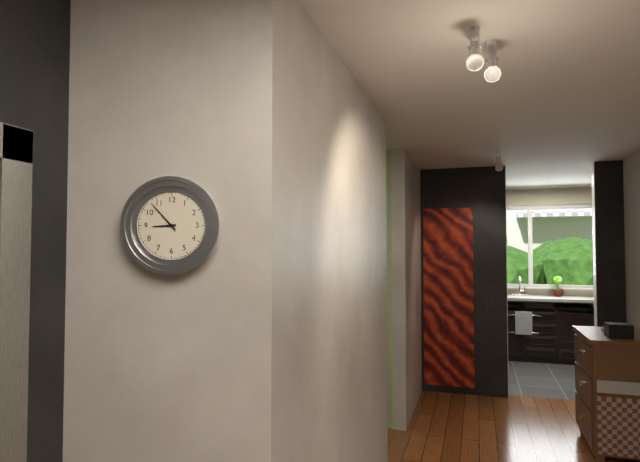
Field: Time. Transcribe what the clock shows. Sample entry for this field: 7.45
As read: 8.53
